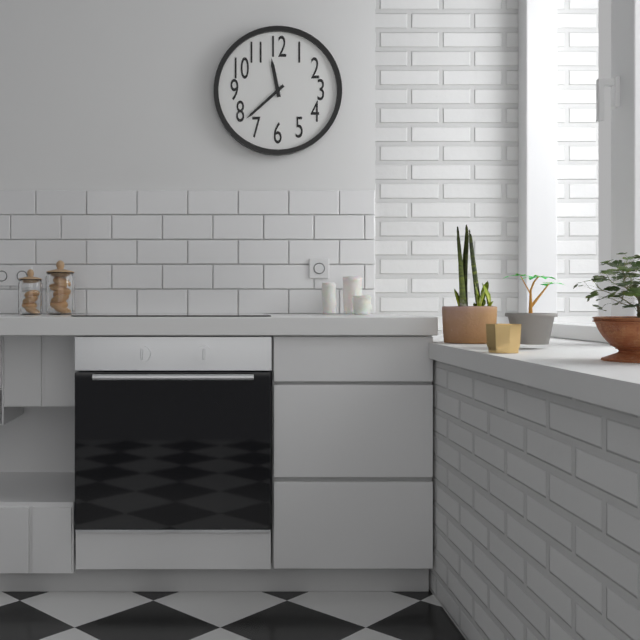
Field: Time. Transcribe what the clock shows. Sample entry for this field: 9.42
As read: 11.38
